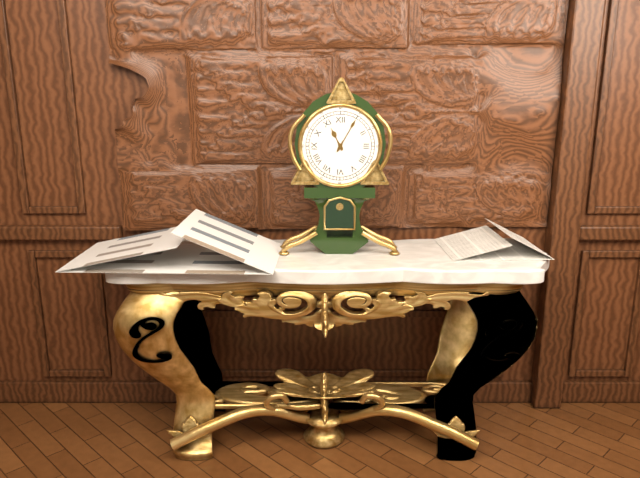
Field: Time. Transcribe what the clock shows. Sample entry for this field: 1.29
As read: 11.05
